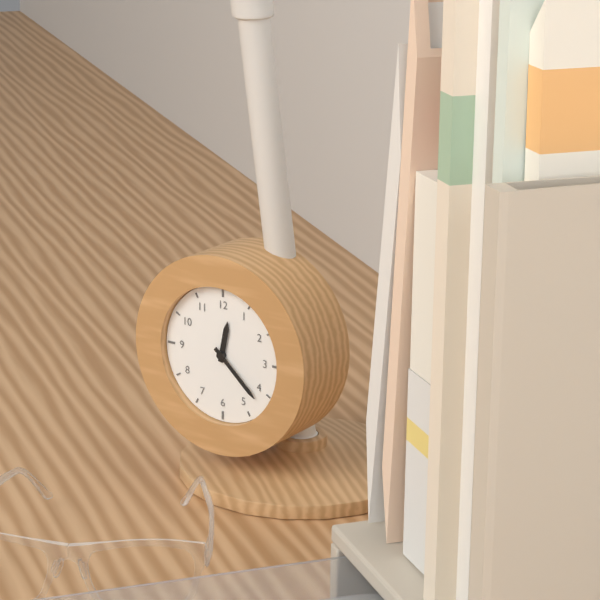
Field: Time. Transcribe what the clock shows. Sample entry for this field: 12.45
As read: 12.22
